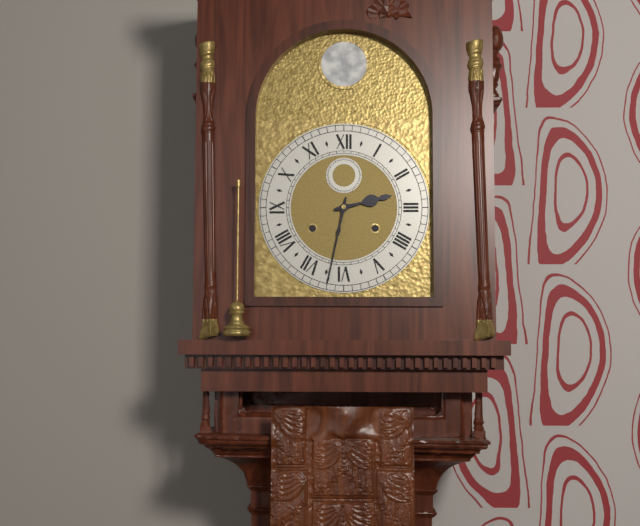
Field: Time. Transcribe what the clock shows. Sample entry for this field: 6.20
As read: 2.32
